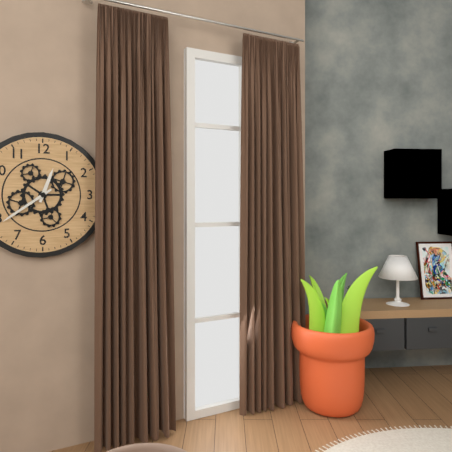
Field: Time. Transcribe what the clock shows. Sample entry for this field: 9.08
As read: 12.39
